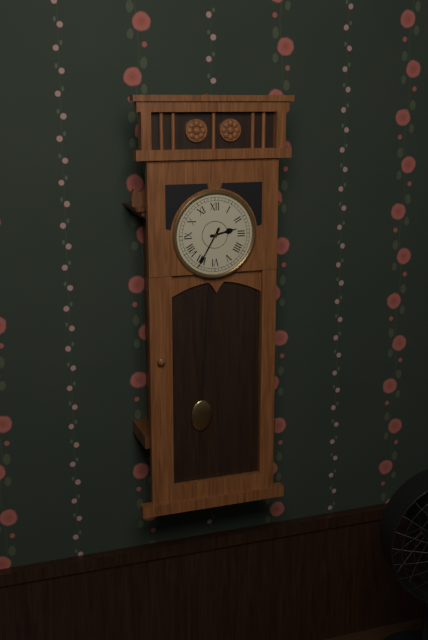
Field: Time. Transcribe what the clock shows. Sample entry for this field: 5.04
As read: 2.35
